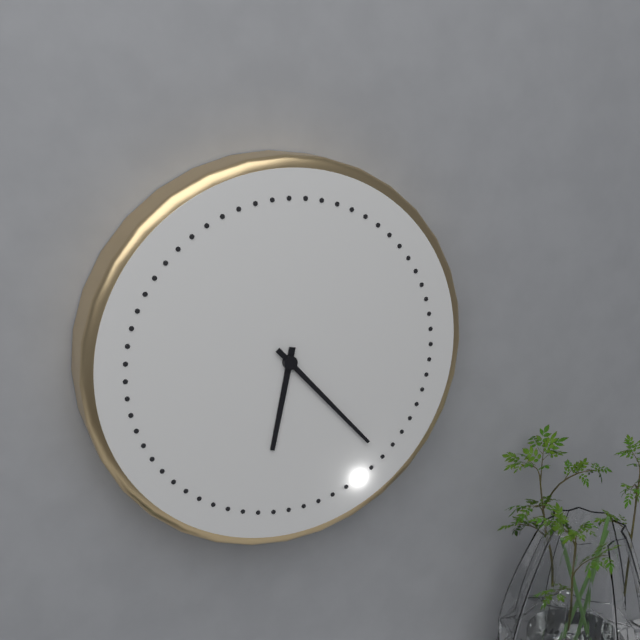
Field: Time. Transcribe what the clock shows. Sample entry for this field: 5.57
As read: 6.23
